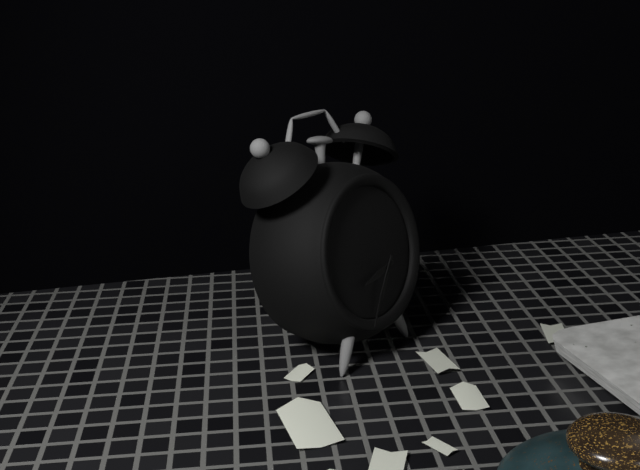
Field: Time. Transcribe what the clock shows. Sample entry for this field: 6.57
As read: 8.34
